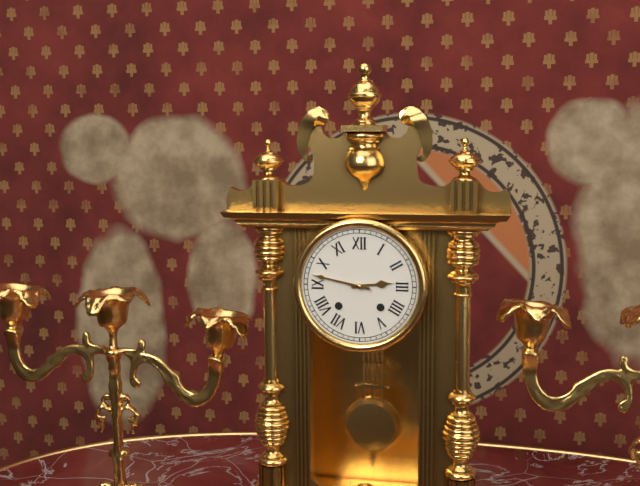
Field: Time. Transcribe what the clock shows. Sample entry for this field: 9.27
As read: 2.47
